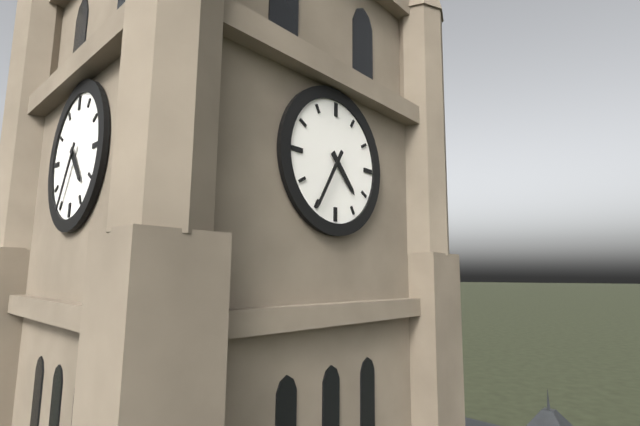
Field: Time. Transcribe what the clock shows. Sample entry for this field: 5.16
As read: 4.35
